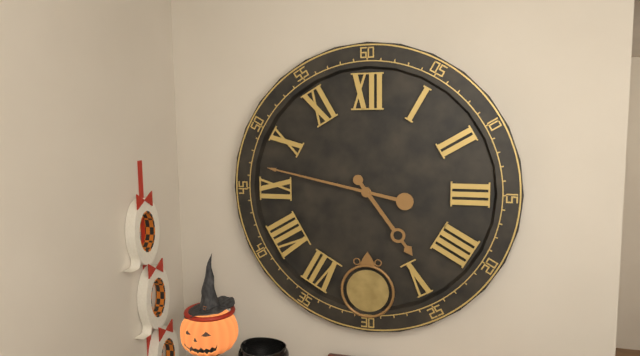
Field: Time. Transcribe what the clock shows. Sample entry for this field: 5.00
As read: 4.47
